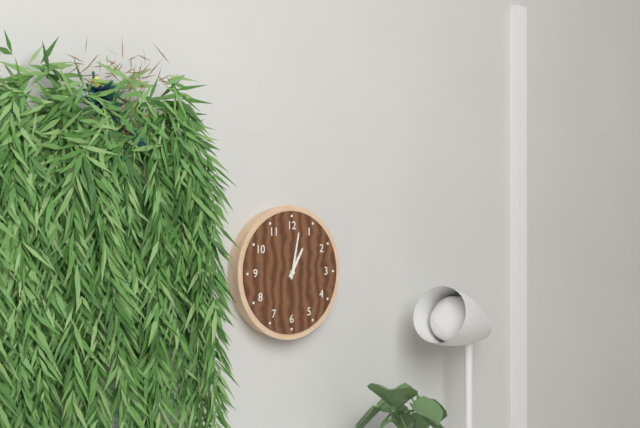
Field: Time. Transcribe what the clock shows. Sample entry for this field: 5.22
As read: 1.02
